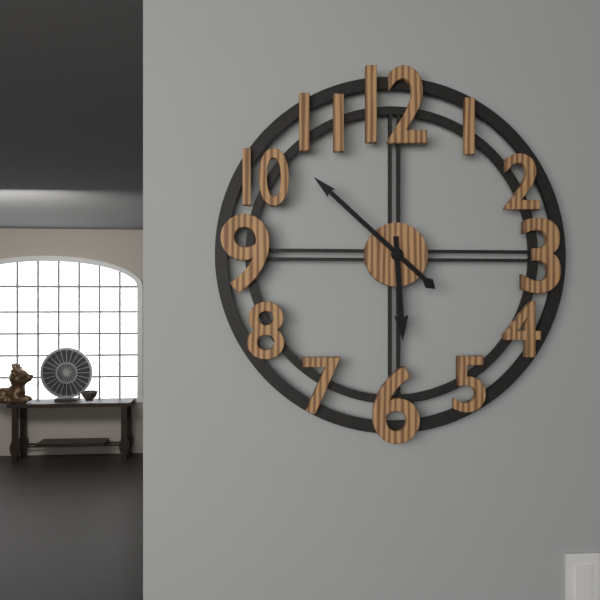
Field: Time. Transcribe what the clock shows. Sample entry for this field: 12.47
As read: 5.52
